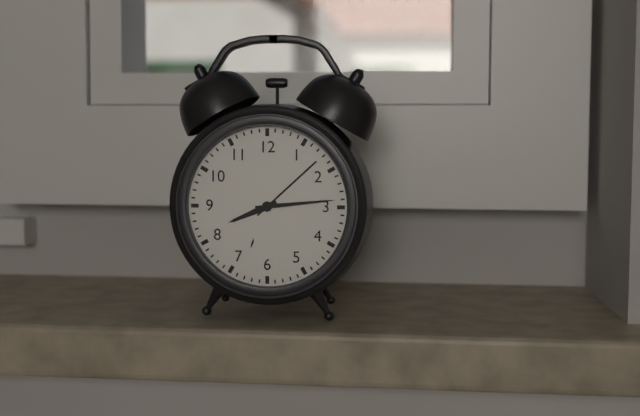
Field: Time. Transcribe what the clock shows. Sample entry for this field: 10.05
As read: 8.14
